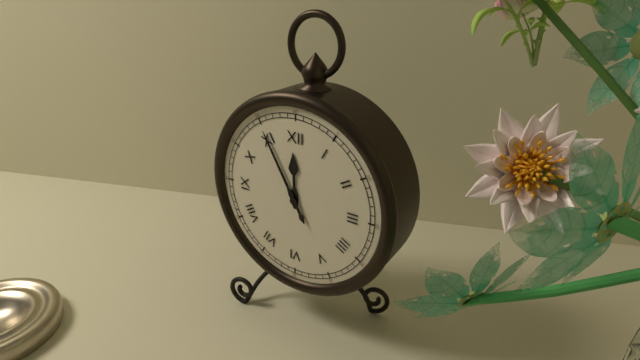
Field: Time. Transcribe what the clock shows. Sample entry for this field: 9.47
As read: 11.55
